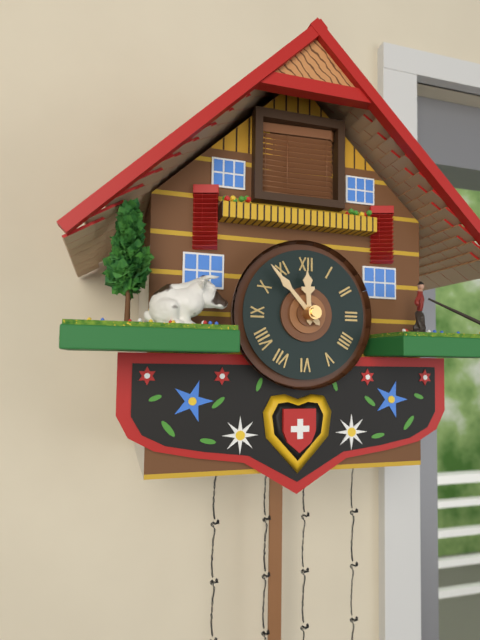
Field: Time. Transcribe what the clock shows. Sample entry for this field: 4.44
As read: 11.53
